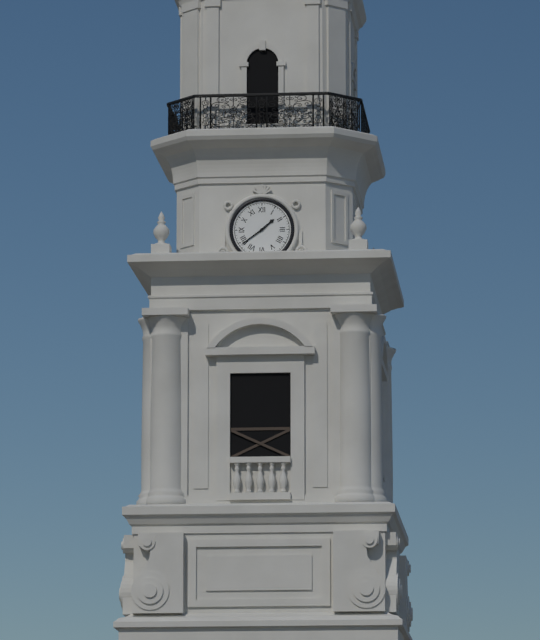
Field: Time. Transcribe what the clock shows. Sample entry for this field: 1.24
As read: 1.39
